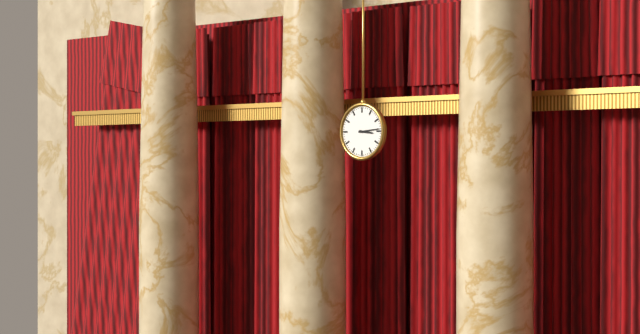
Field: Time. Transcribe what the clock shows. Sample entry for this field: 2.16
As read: 3.14
